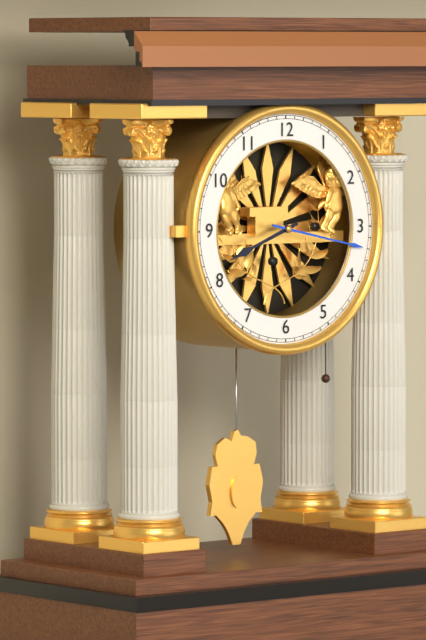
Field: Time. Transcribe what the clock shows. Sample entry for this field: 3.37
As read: 8.17
